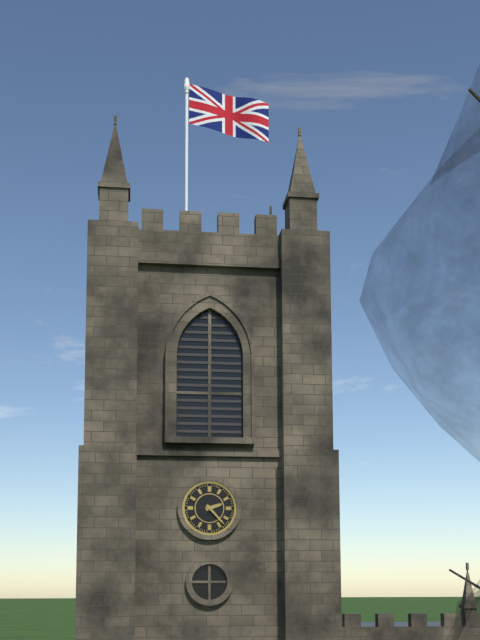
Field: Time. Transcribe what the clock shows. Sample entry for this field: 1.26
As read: 2.23
